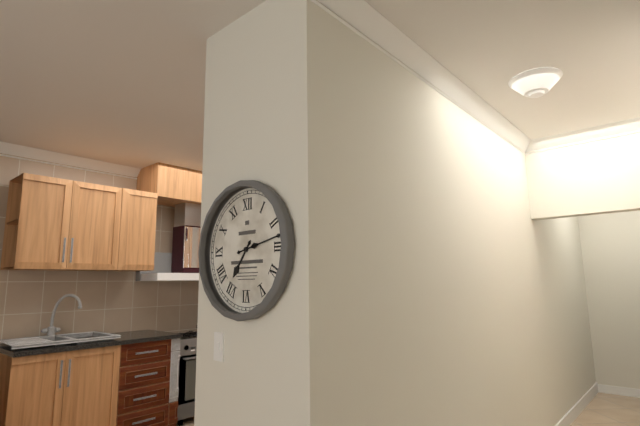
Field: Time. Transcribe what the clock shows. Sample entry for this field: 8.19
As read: 7.13
